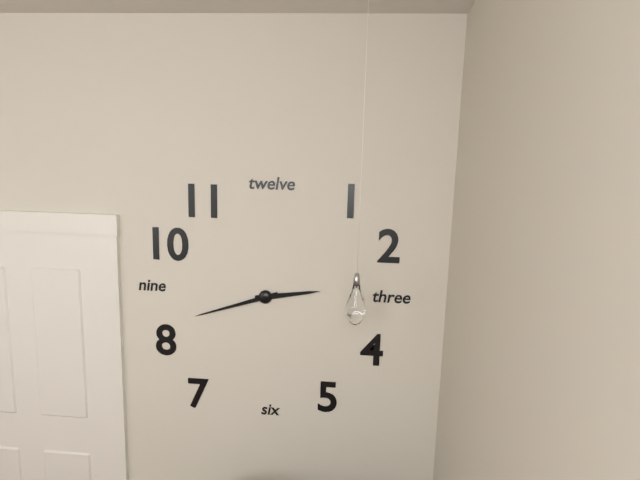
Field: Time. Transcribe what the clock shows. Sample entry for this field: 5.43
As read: 2.42
